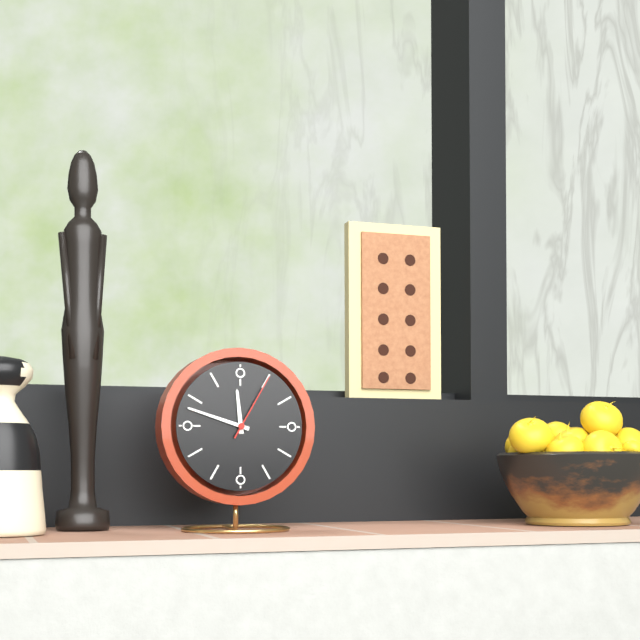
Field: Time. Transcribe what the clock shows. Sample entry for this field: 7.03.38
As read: 11.48.05
